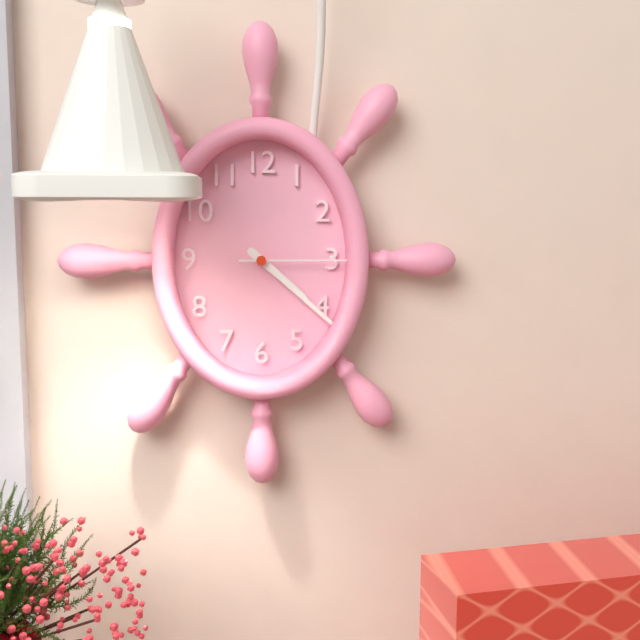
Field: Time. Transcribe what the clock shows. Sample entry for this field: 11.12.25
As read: 4.22.15
